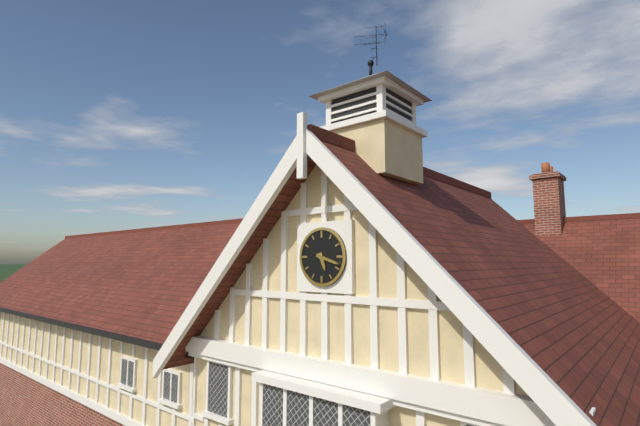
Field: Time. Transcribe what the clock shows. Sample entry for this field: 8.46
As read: 5.18
